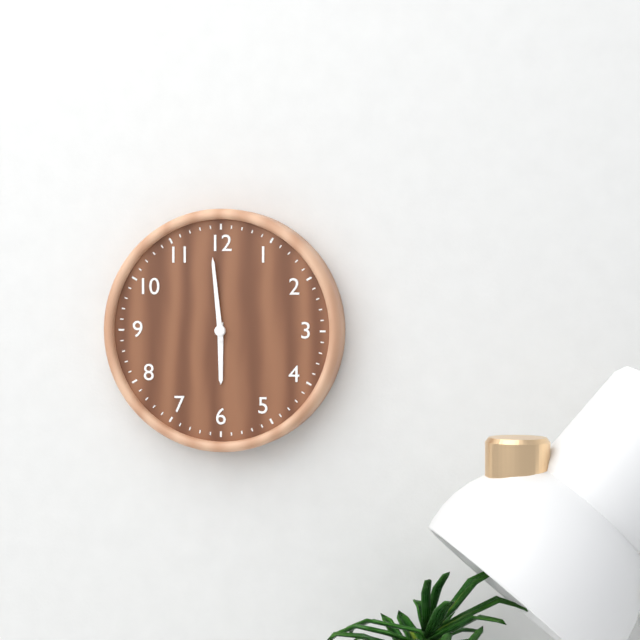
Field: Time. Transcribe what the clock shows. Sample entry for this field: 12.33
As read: 5.59
